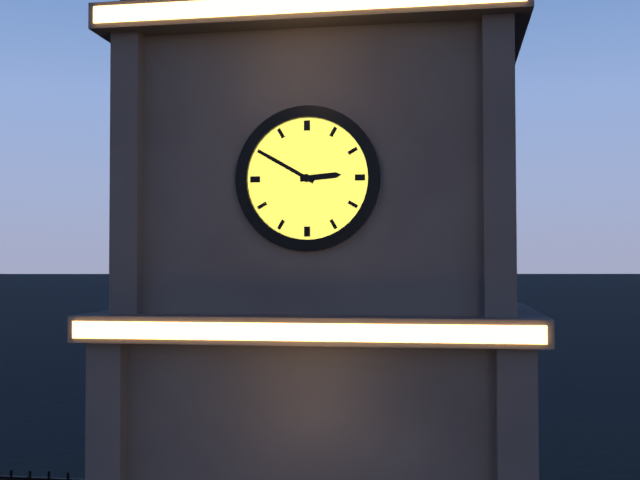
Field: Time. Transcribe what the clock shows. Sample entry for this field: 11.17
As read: 2.50
